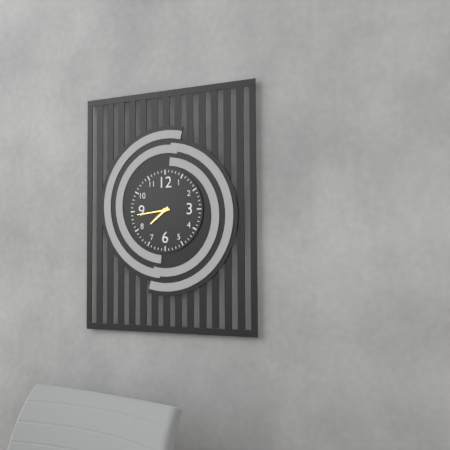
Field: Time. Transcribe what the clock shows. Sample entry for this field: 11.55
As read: 7.44
